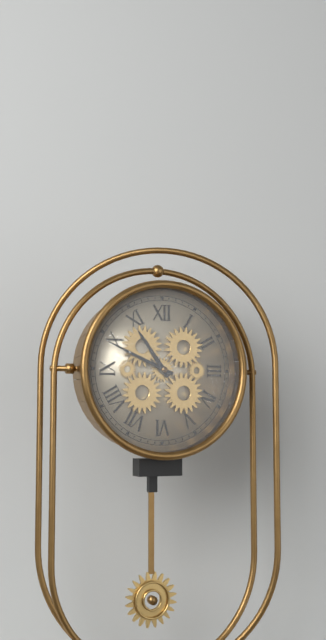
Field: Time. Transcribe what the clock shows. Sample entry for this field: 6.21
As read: 10.49
